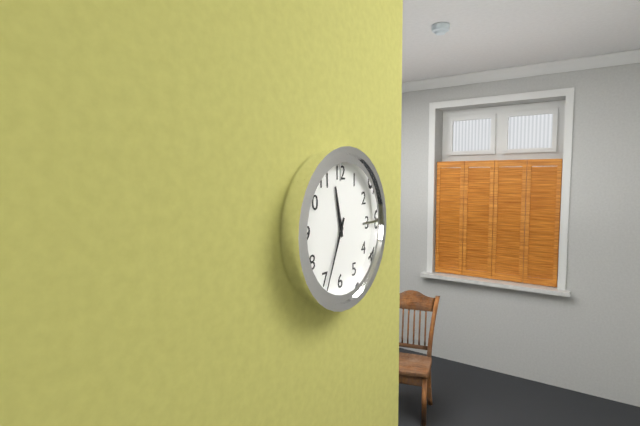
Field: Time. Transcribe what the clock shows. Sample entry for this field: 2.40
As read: 11.34
